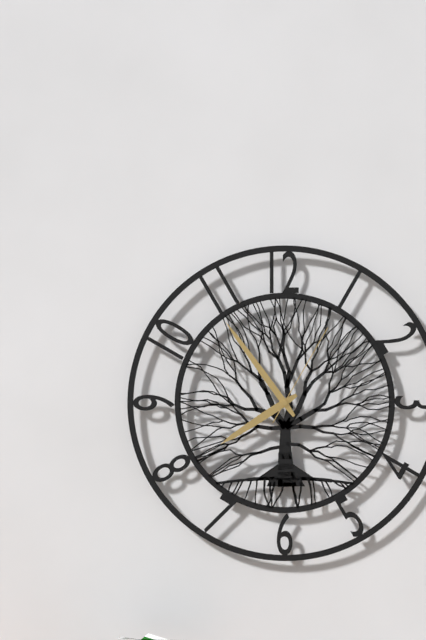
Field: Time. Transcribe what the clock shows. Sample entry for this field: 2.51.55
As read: 7.54.05
